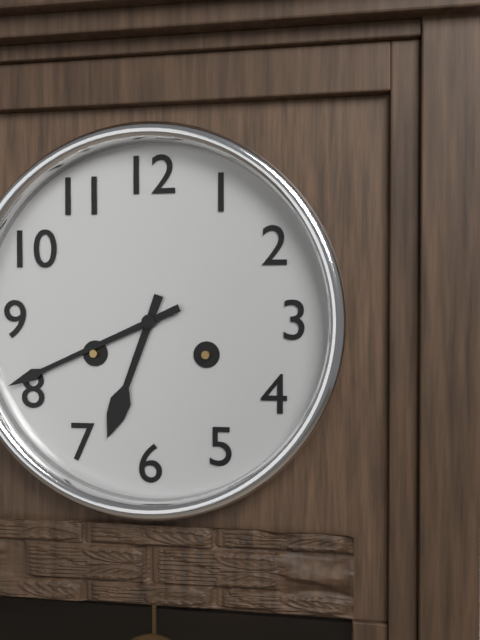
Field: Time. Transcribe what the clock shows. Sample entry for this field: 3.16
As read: 6.41
